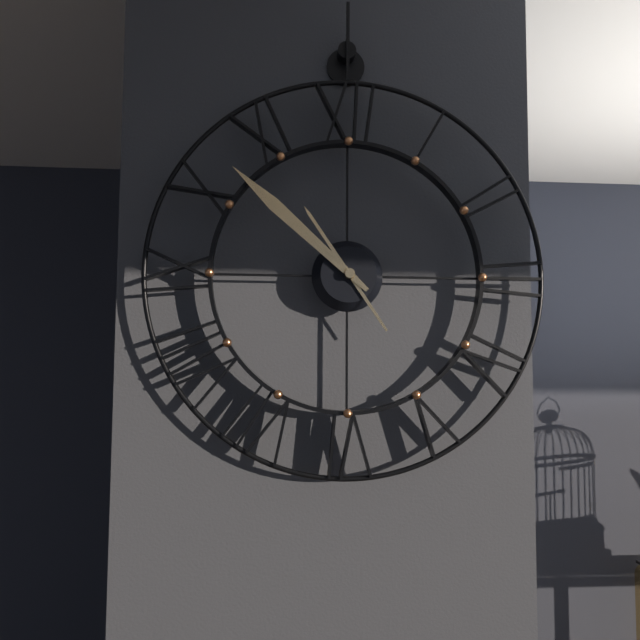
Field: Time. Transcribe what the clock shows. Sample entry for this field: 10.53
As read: 10.52
